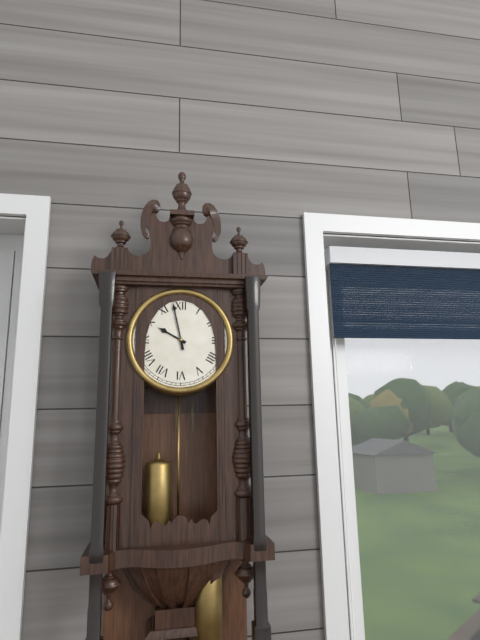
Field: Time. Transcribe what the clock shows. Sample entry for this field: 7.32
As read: 9.58
